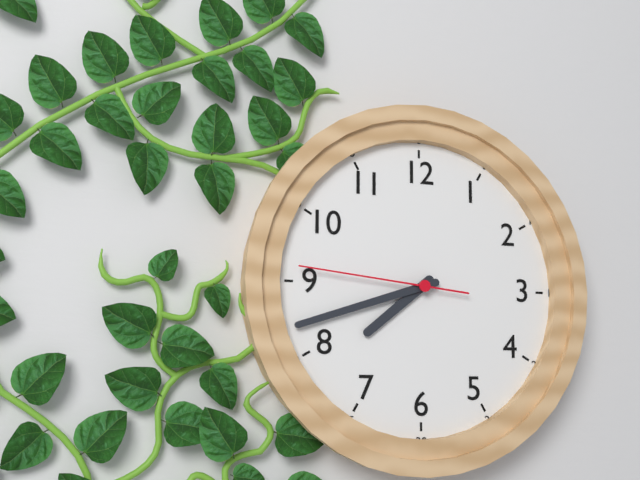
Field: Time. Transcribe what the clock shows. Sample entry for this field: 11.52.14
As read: 7.42.46
